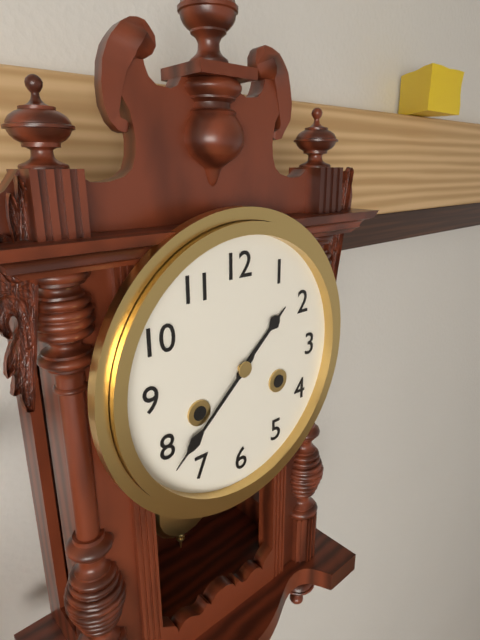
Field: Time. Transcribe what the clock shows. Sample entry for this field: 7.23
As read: 1.38
